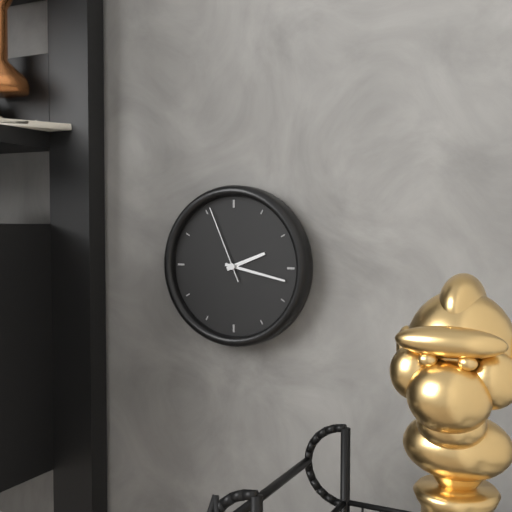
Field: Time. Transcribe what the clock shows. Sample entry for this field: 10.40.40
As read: 2.17.56
